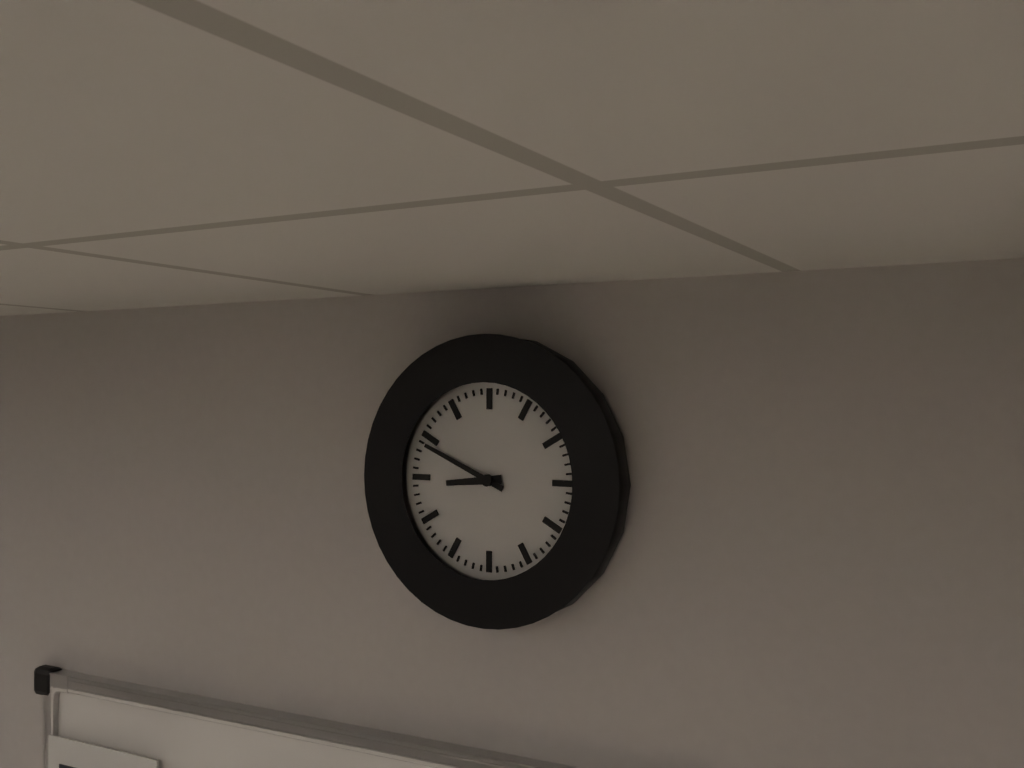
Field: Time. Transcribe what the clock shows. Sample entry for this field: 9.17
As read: 8.49
